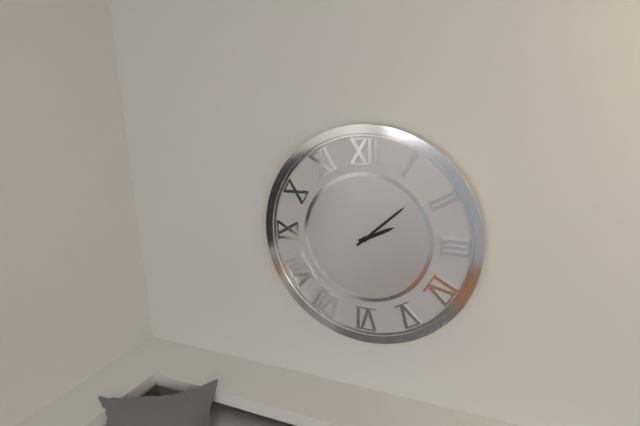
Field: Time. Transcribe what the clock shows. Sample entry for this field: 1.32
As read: 2.08
